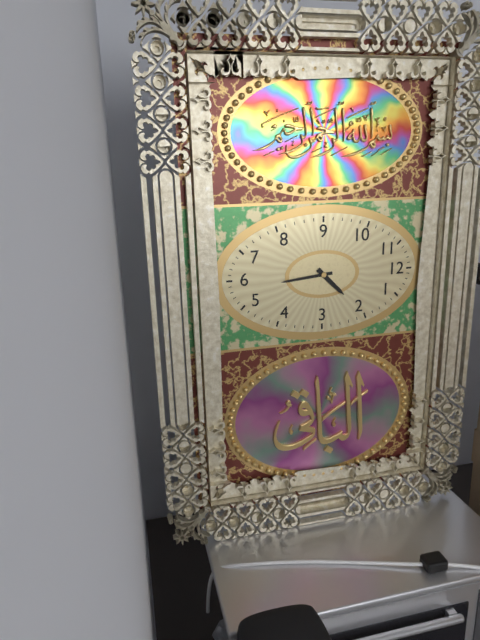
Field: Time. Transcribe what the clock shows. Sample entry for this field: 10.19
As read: 1.29
